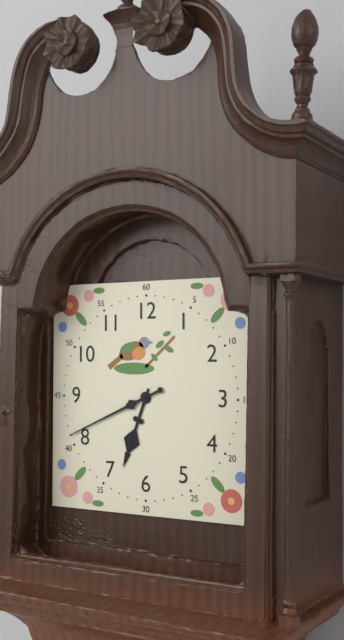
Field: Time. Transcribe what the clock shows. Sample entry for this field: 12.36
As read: 6.41
